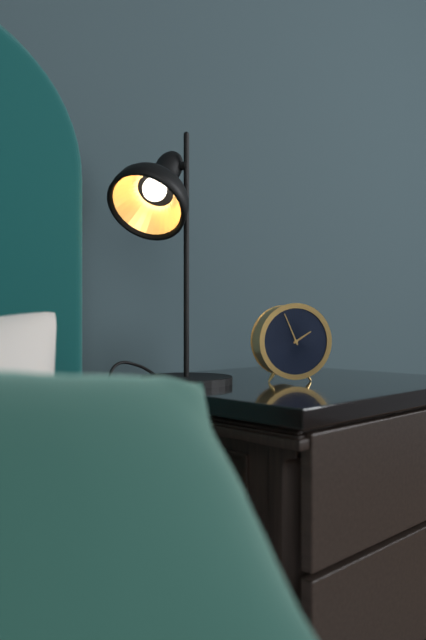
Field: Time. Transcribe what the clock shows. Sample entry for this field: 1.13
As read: 1.56
